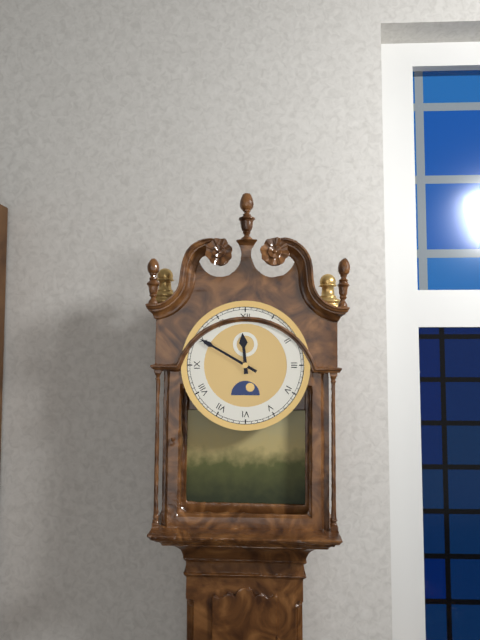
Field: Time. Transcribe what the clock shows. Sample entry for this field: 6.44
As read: 11.50
